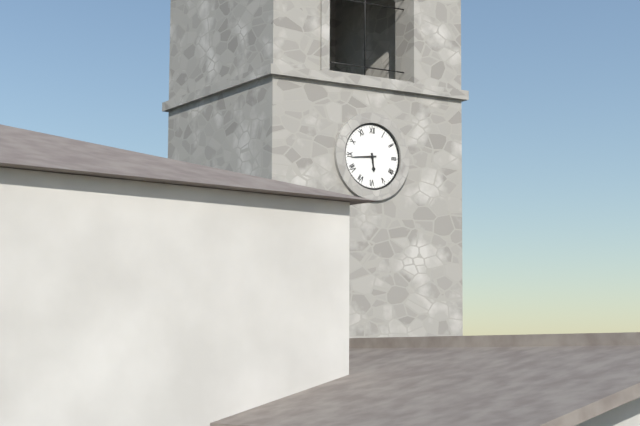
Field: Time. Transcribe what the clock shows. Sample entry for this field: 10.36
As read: 5.44
